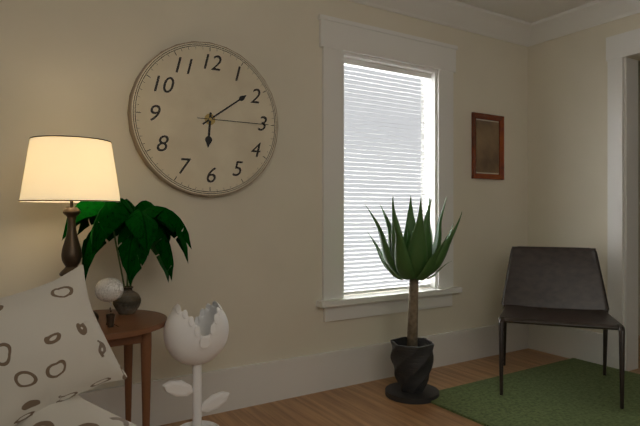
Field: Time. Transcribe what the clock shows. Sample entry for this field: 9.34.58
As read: 6.09.15
